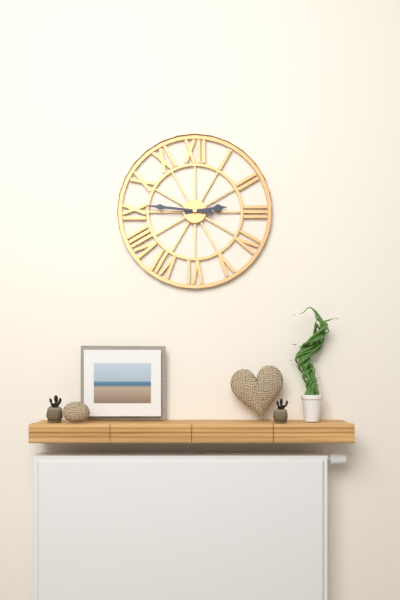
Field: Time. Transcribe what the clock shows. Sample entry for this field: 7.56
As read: 2.46
